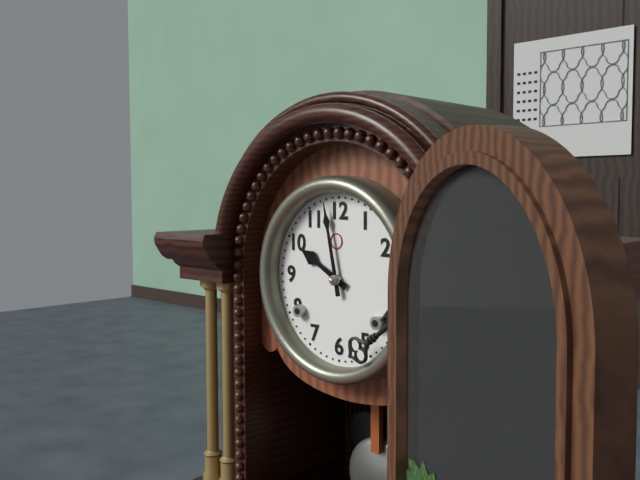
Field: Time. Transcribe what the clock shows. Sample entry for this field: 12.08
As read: 9.58
